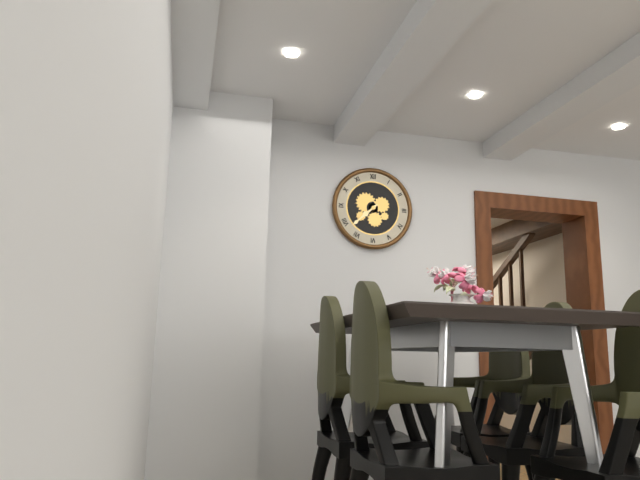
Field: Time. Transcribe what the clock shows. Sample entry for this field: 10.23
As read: 7.38
